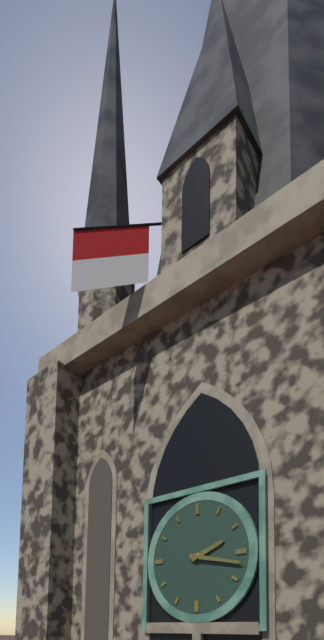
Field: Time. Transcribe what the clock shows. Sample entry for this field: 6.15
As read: 2.17
